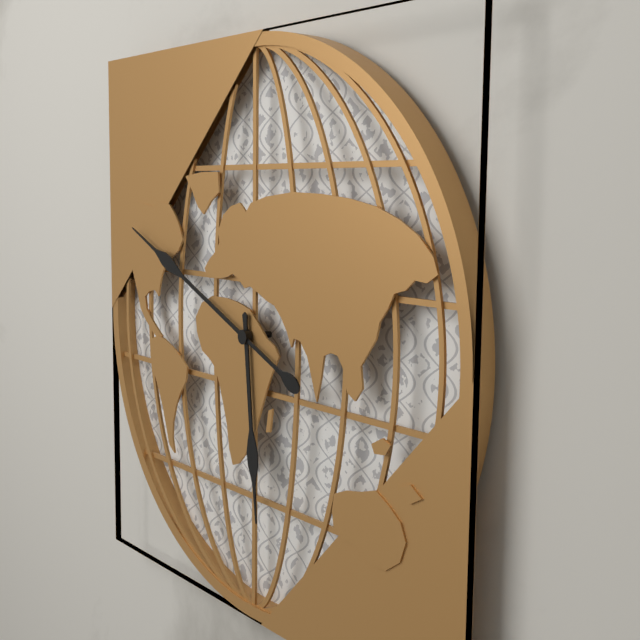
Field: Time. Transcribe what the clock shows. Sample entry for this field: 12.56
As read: 5.49
